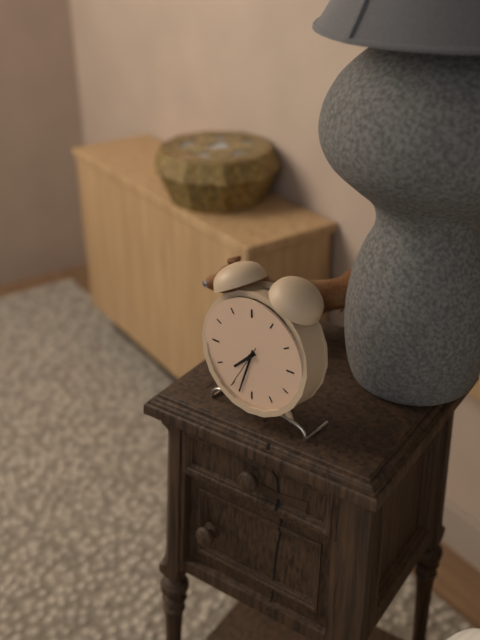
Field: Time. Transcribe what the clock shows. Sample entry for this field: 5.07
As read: 7.33
